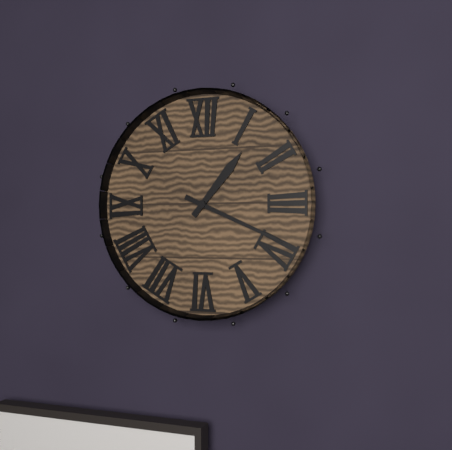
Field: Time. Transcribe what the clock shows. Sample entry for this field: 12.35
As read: 1.19
